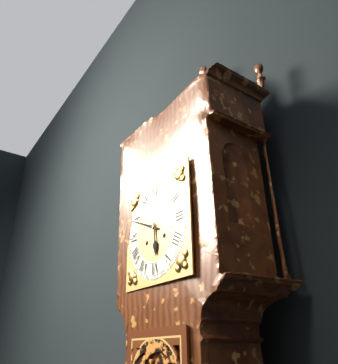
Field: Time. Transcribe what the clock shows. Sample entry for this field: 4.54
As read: 5.49
